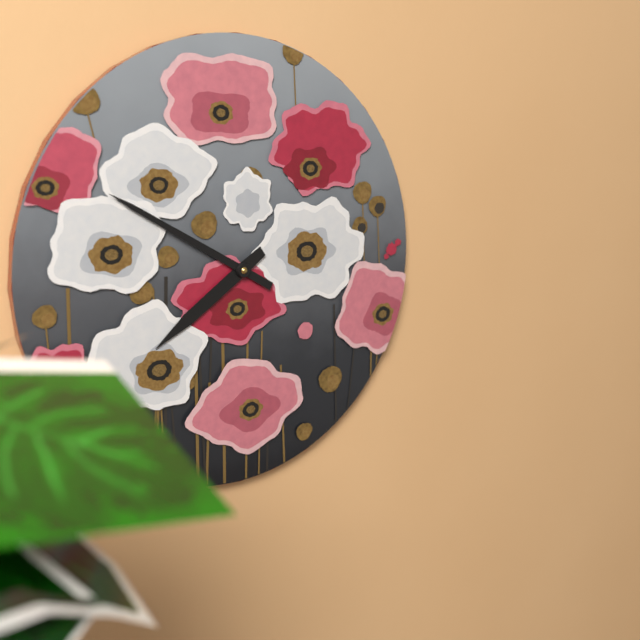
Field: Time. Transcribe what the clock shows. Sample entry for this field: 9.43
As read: 7.50
